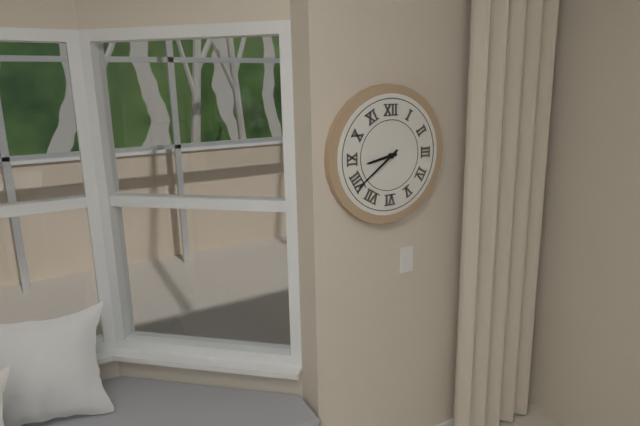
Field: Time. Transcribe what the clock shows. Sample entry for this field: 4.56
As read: 8.39
